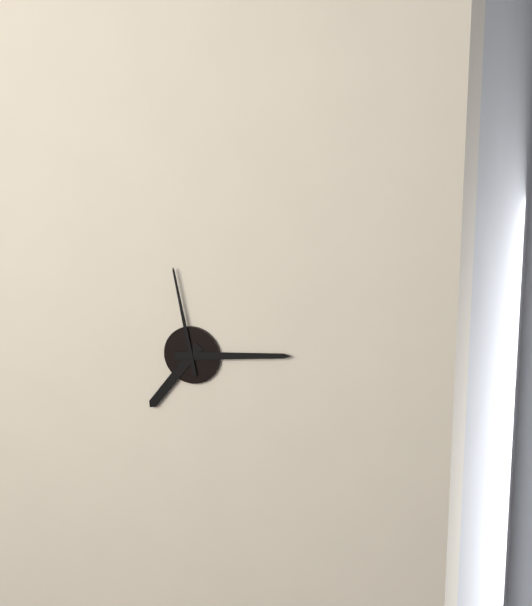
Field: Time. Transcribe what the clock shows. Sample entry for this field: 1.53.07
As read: 7.14.58
